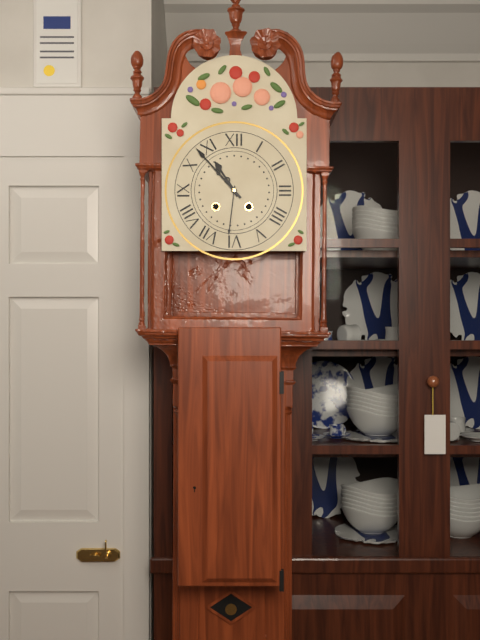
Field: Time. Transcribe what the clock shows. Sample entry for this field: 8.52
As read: 10.53
